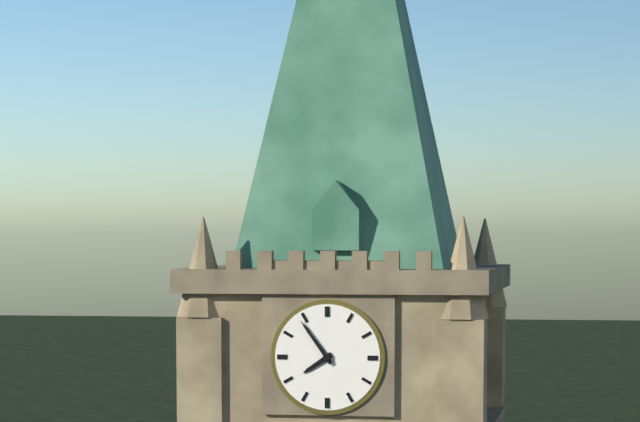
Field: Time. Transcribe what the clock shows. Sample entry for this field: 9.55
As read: 7.54
